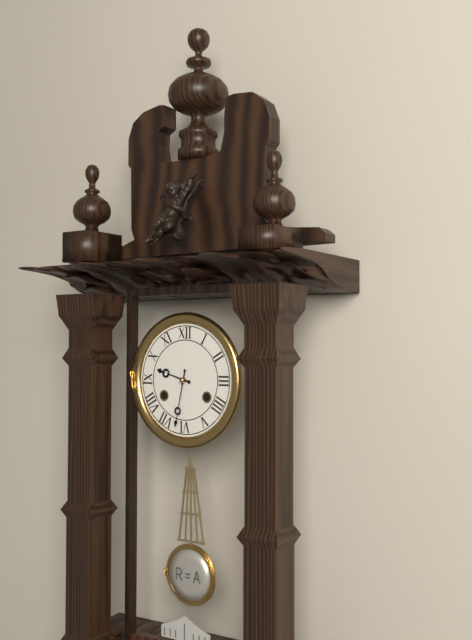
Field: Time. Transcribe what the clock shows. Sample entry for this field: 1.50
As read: 9.32
